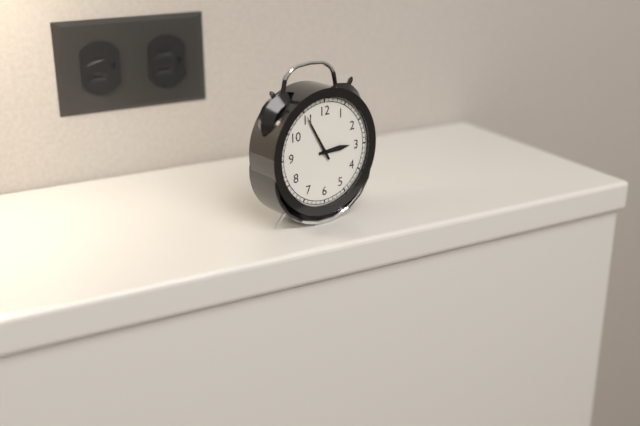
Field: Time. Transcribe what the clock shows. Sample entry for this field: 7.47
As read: 2.55
